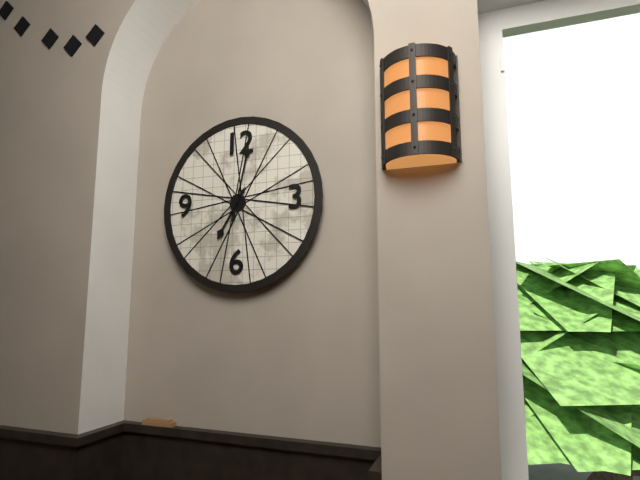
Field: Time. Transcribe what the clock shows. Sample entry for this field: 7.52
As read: 7.02
